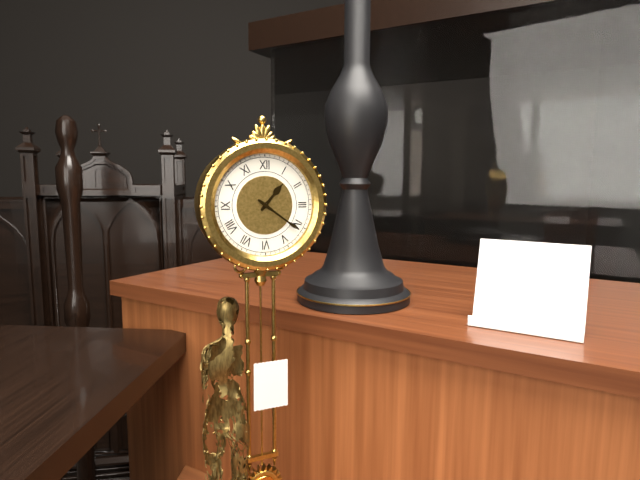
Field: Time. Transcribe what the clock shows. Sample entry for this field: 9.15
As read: 1.21
